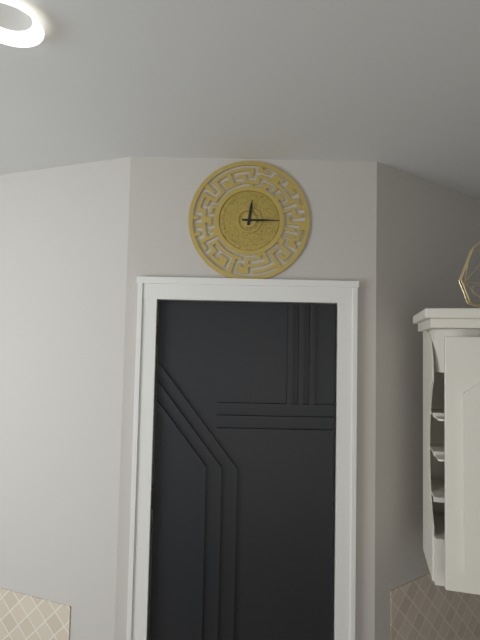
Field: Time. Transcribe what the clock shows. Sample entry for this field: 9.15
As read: 12.15
